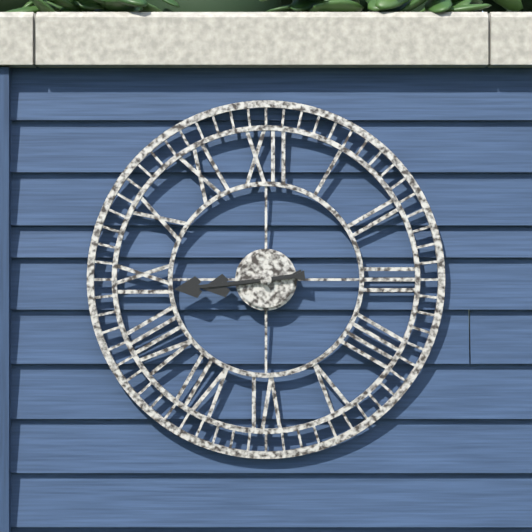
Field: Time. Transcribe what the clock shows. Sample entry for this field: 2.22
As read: 8.44
